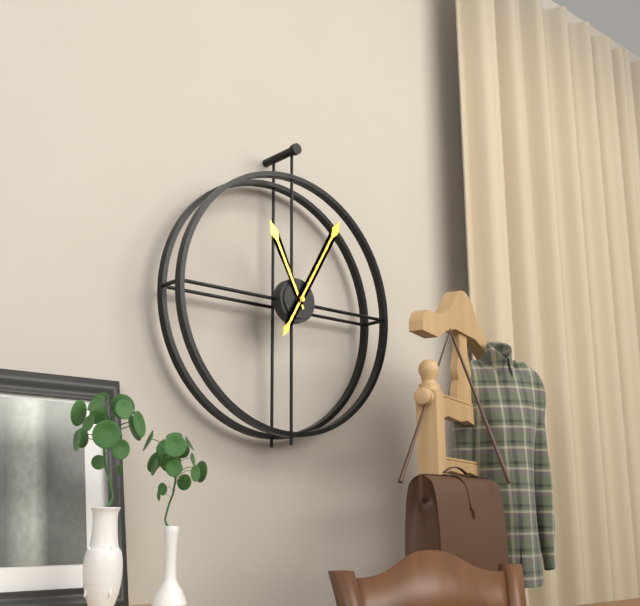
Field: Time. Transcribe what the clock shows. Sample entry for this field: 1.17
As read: 11.05
